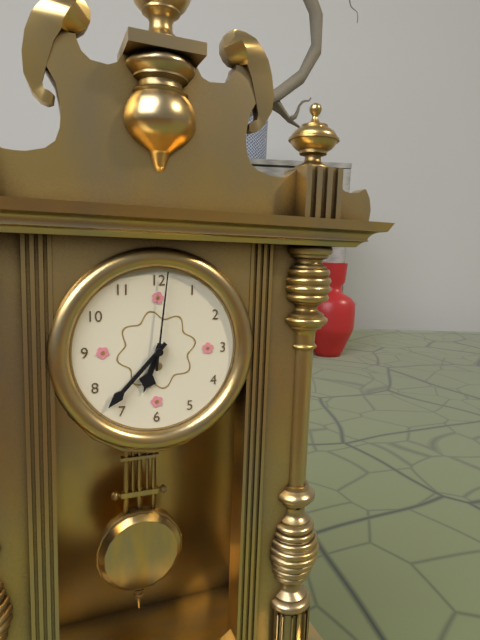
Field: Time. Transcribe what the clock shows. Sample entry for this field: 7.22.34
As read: 6.37.01
